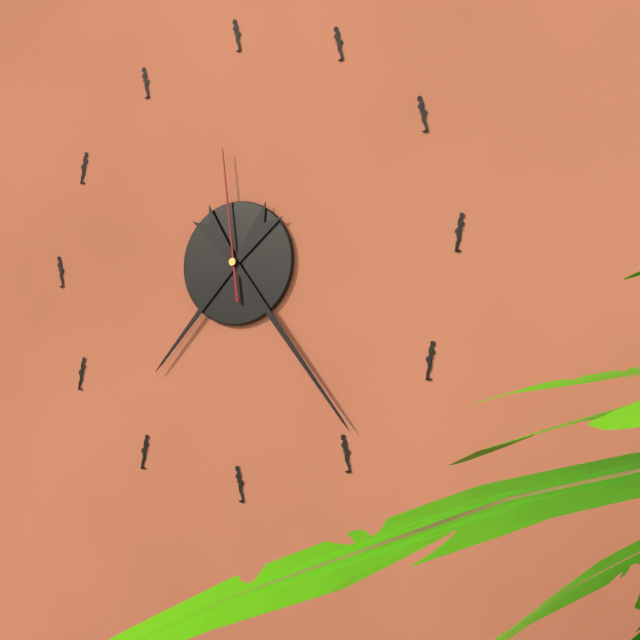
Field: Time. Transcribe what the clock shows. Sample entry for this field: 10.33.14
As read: 7.24.59
